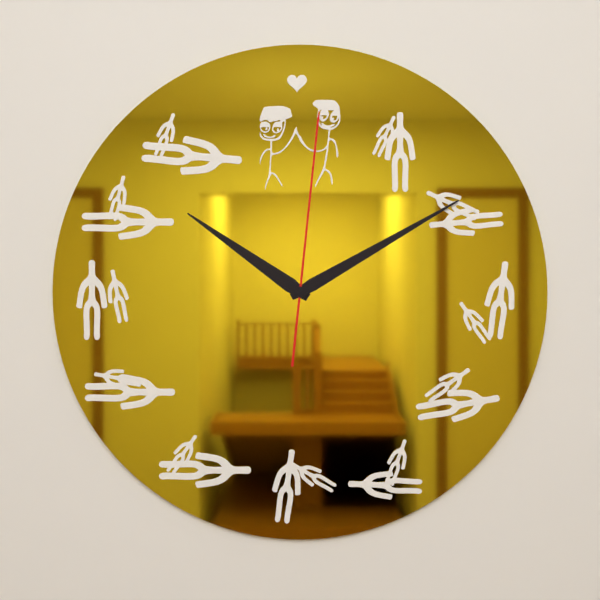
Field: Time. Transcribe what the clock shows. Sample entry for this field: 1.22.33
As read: 10.10.01
